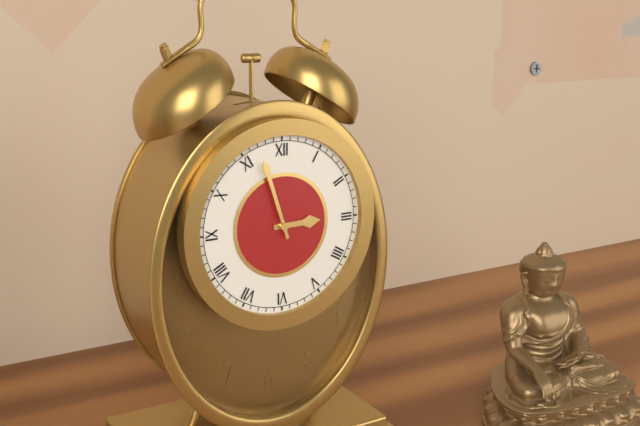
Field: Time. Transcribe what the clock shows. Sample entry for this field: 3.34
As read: 2.57
